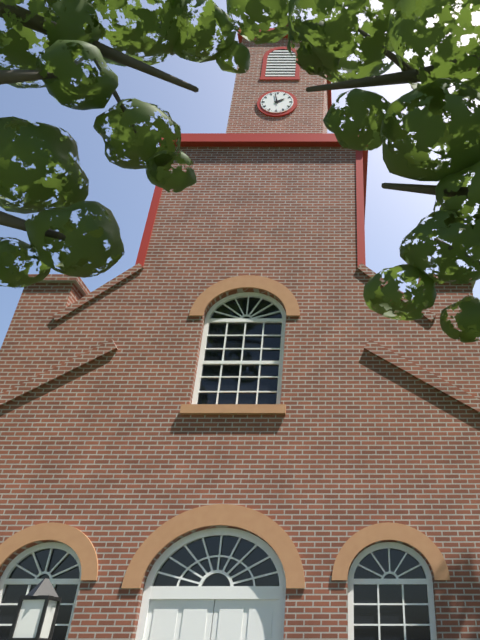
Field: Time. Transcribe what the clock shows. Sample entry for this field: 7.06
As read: 1.58
